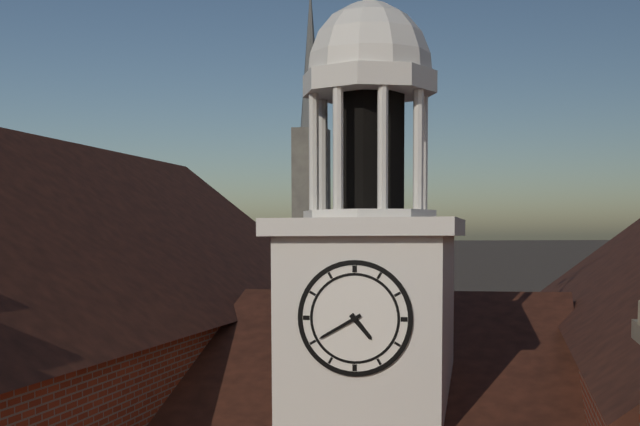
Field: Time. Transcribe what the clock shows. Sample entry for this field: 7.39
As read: 4.40
